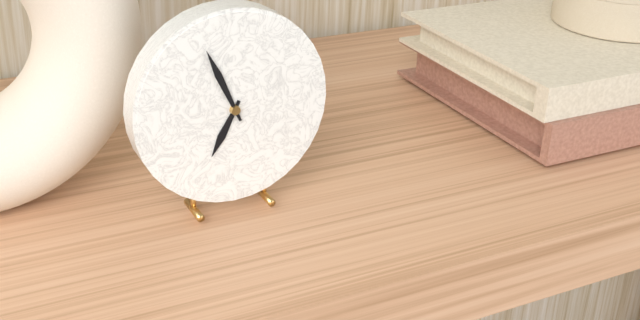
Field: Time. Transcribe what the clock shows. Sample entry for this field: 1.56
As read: 6.56
